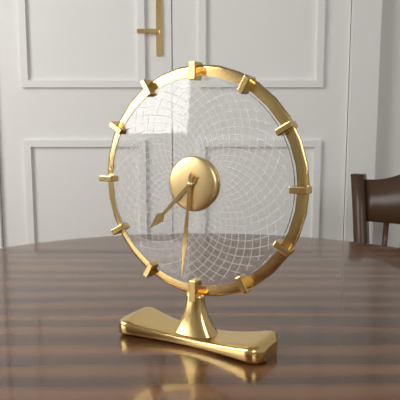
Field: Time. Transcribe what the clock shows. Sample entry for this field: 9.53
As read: 7.31
